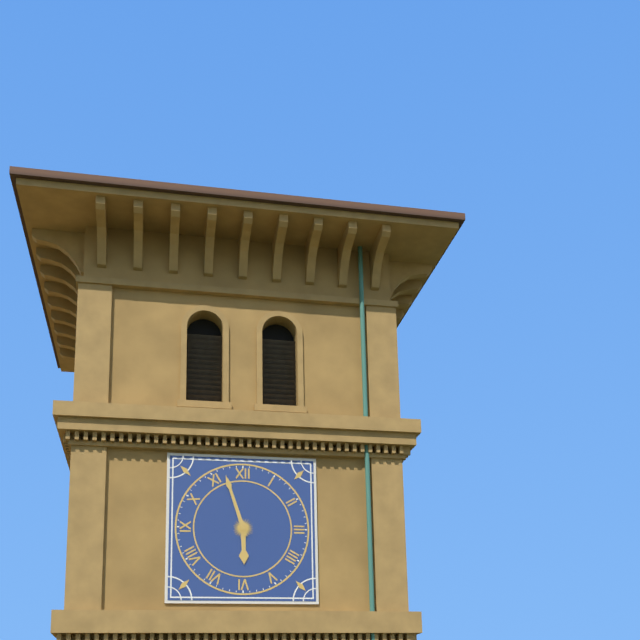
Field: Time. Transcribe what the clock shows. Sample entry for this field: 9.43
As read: 5.57
